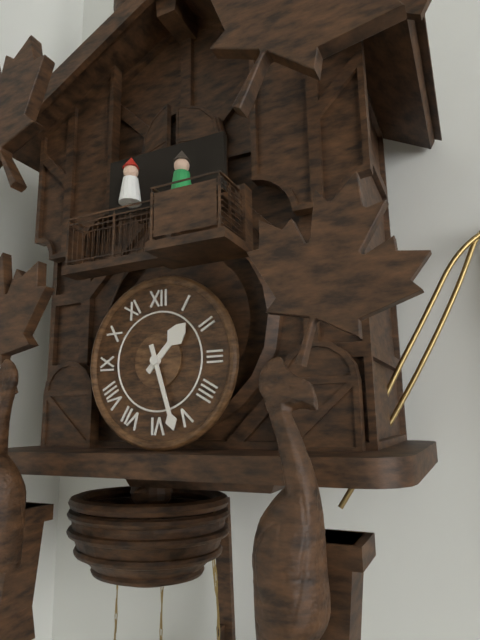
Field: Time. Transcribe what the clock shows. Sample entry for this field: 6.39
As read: 1.27
